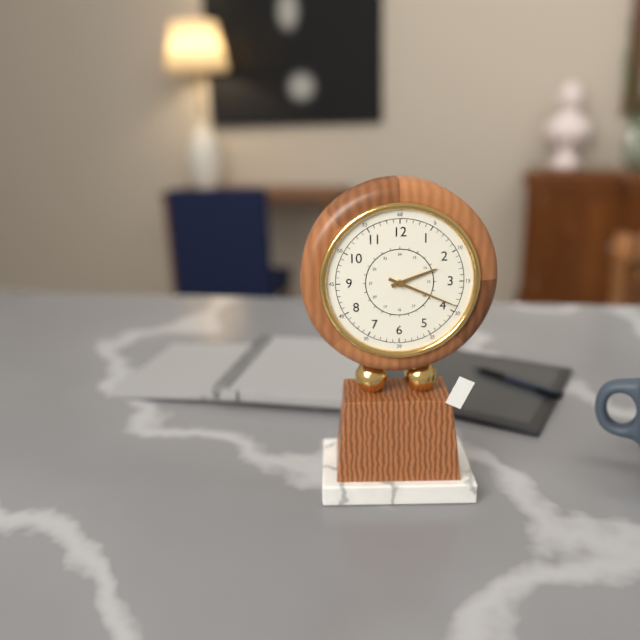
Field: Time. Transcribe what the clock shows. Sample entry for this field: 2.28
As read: 2.19
